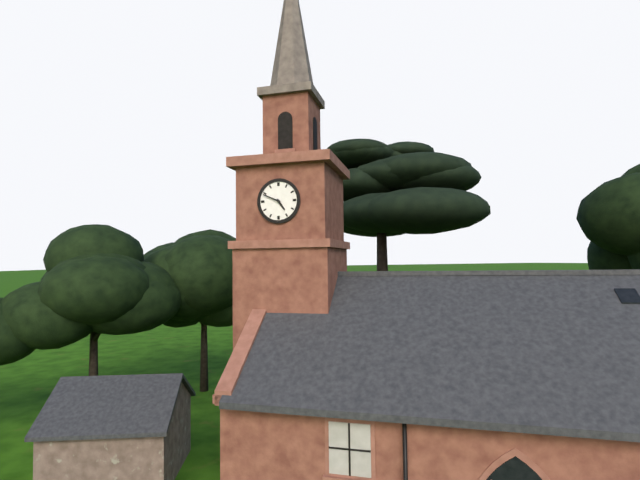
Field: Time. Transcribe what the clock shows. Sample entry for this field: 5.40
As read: 4.49
